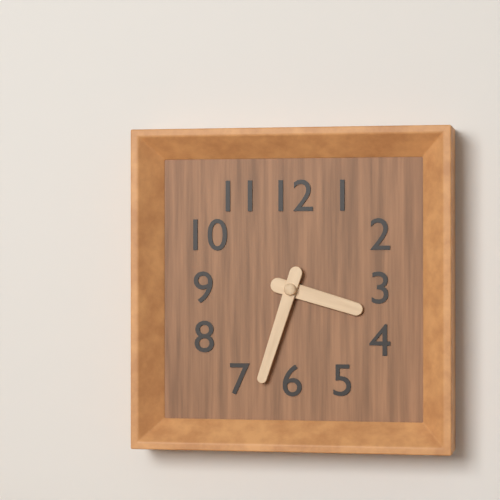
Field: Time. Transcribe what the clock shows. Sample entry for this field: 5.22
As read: 3.33
